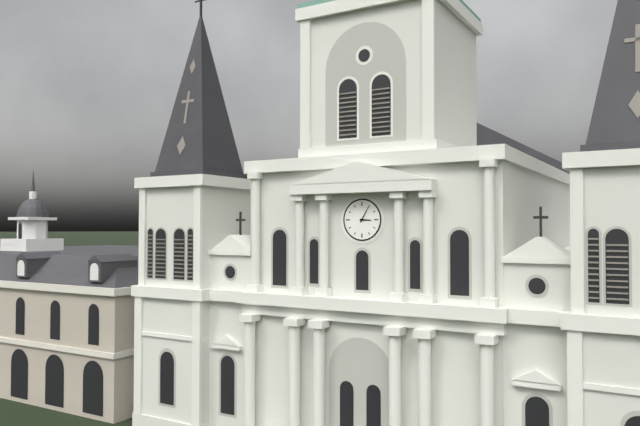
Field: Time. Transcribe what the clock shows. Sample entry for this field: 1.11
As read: 3.05
